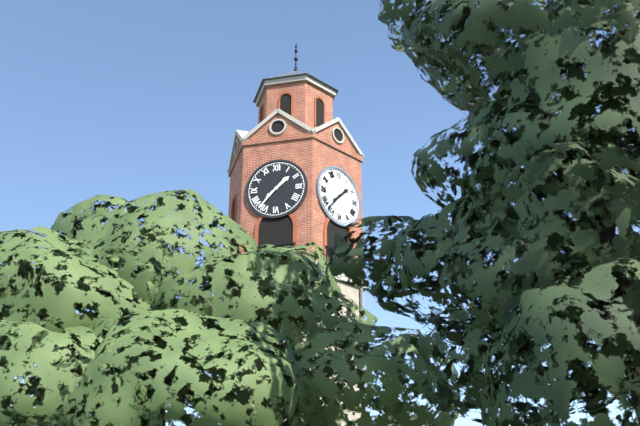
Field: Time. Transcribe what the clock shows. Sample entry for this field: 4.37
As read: 1.37
